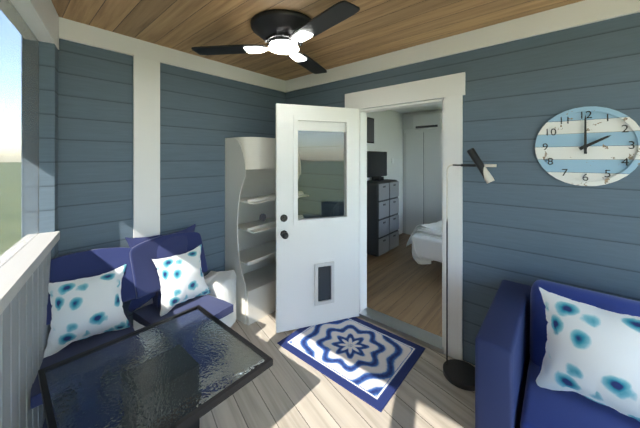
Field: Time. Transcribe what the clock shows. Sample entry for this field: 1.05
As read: 2.00
